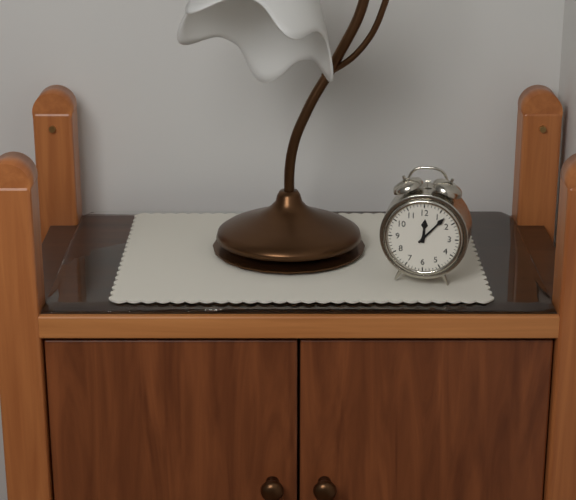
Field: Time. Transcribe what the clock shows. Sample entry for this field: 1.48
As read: 12.07
